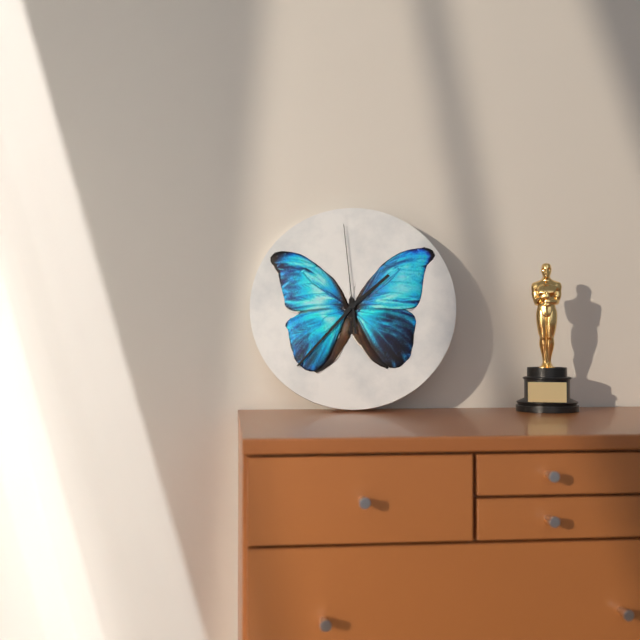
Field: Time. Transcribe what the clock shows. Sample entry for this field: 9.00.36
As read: 1.37.59
